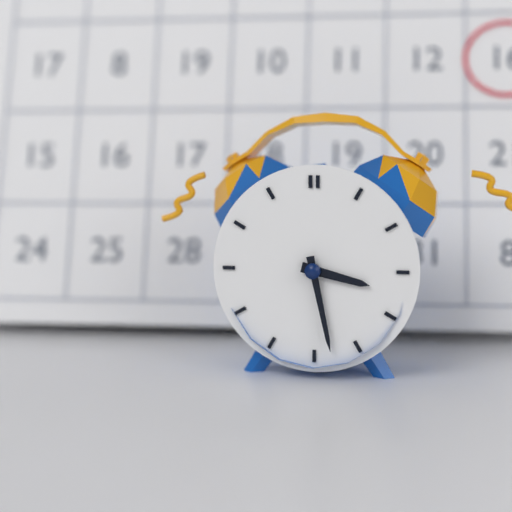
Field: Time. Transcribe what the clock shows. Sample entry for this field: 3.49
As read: 3.28
